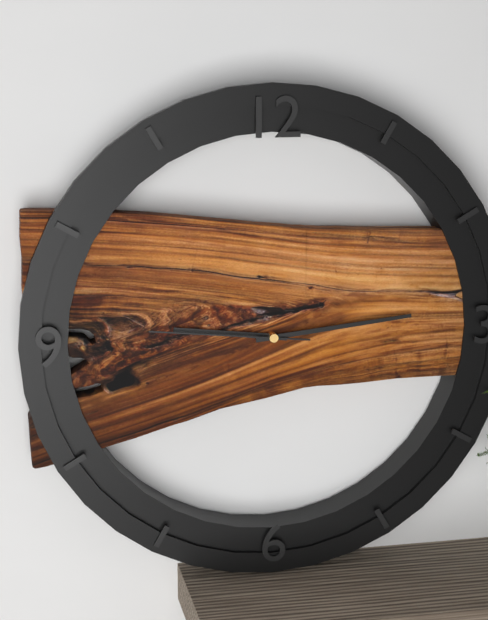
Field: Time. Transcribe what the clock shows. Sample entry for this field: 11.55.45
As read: 9.14.46
